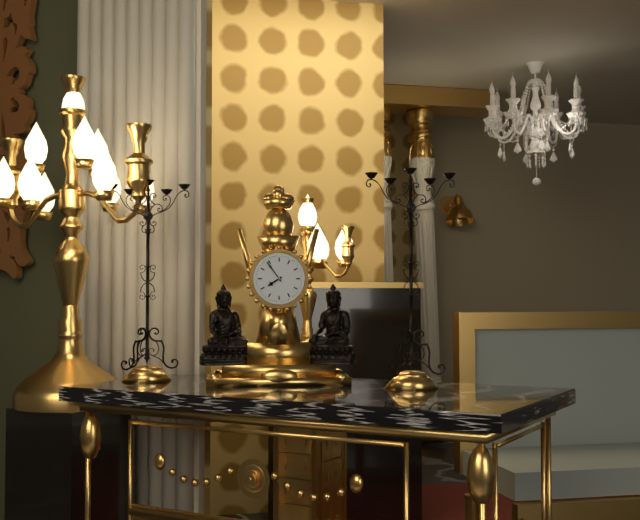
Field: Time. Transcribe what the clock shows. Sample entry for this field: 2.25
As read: 7.54
